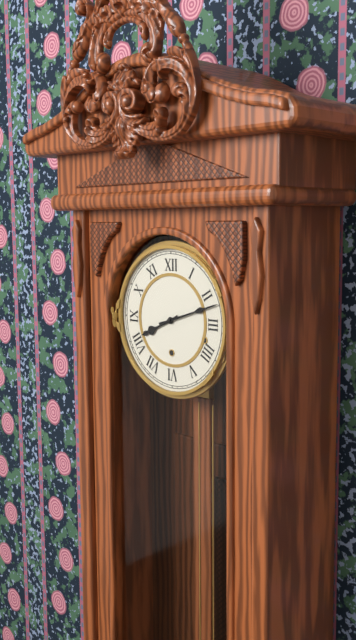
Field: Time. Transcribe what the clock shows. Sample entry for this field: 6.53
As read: 8.12
